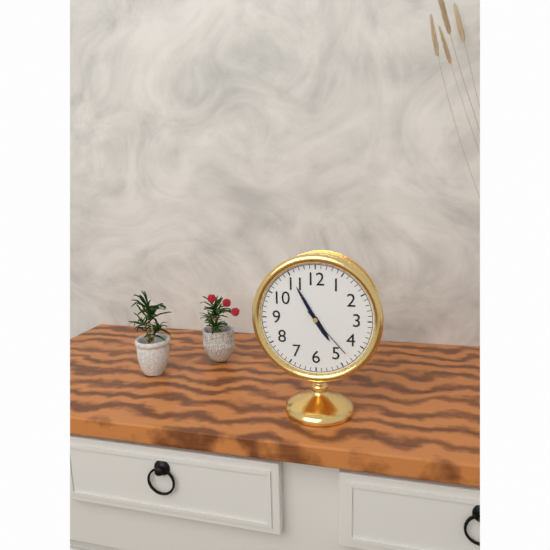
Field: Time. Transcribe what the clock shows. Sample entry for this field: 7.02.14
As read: 4.55.23
